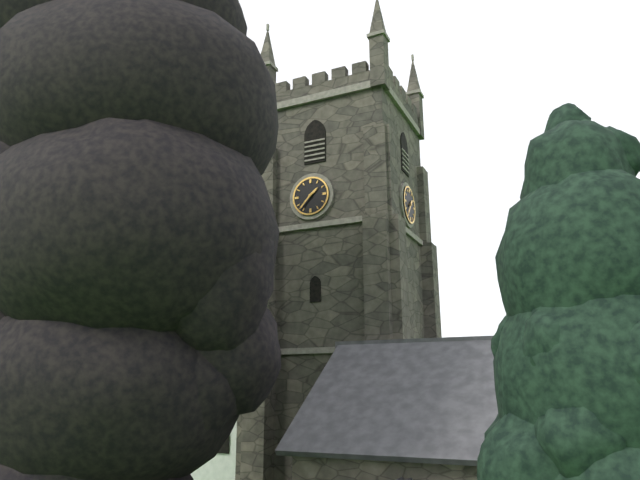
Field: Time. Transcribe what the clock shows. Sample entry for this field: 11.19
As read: 1.37
